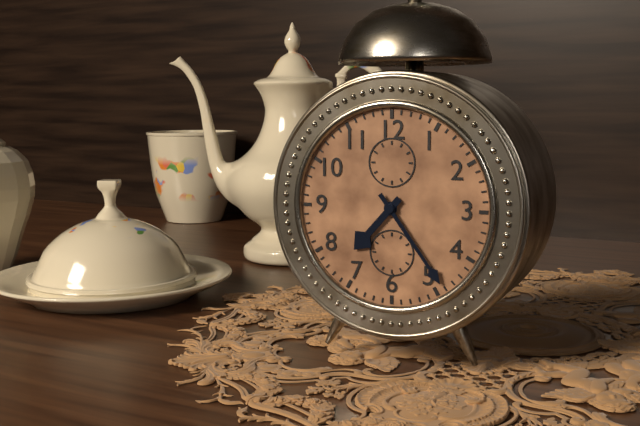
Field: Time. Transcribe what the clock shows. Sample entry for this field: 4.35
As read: 7.24
